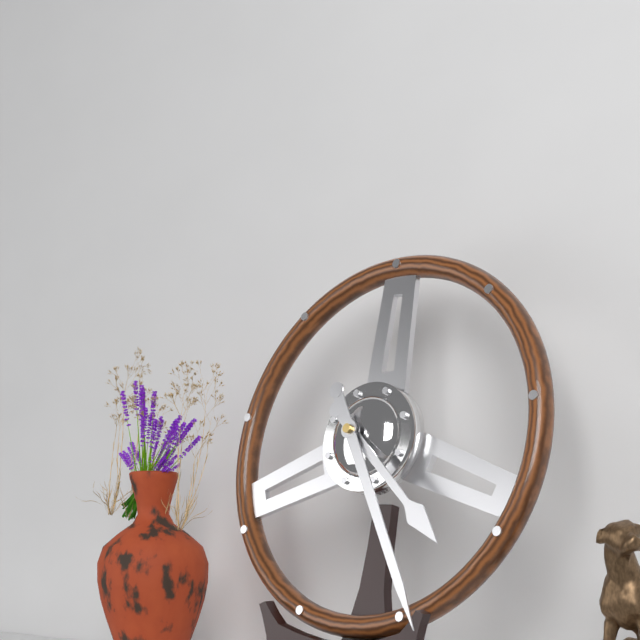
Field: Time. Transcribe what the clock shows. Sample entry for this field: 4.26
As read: 4.25
